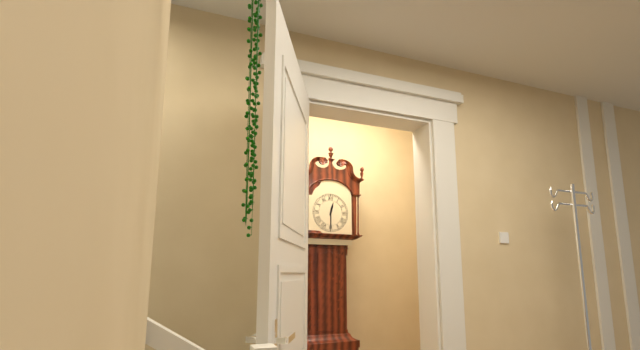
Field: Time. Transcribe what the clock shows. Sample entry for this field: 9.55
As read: 12.30
